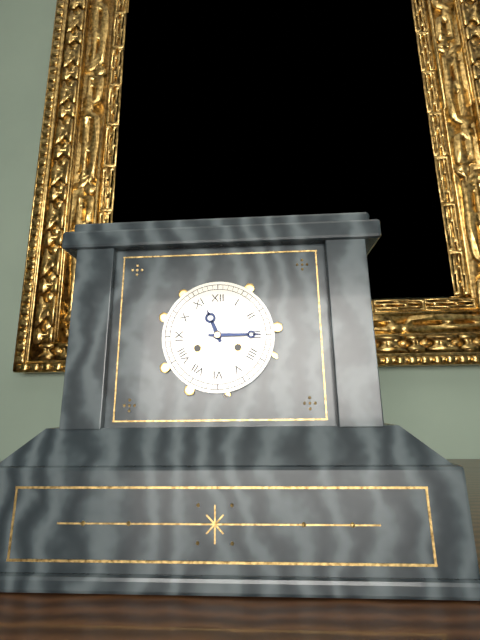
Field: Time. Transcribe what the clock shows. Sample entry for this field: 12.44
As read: 11.15
